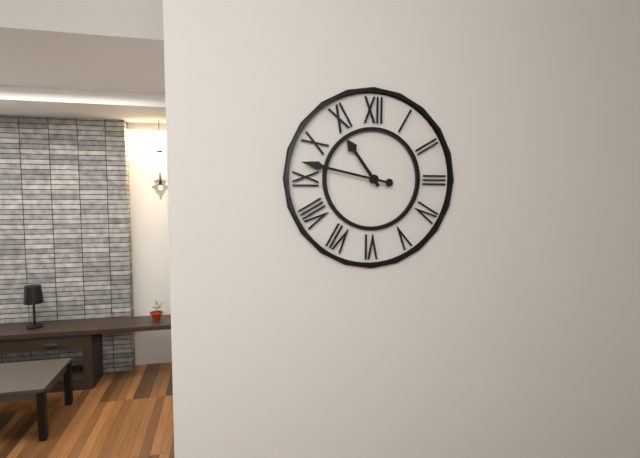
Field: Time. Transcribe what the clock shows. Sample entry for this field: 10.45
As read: 10.47
